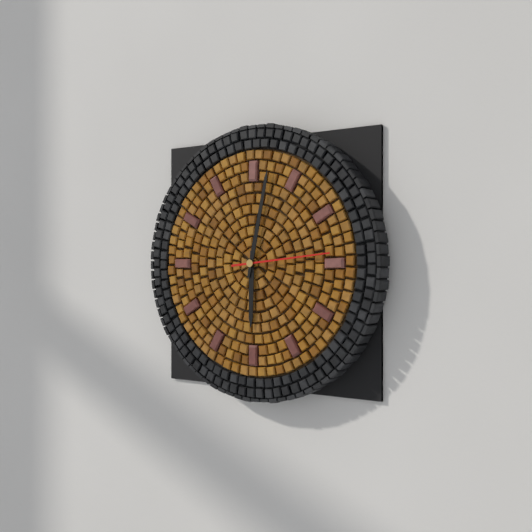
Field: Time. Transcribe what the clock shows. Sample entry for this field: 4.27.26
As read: 6.02.14
